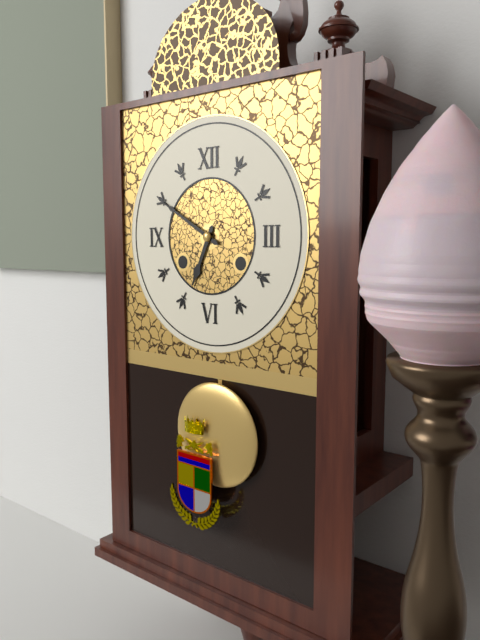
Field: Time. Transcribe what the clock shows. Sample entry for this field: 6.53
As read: 6.50
